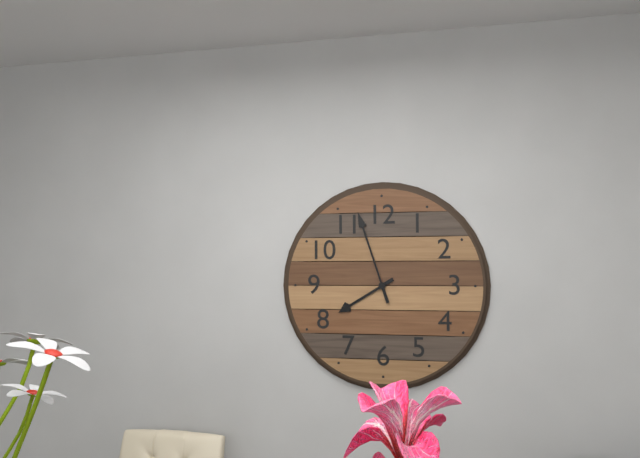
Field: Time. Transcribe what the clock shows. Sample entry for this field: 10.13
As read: 7.57
